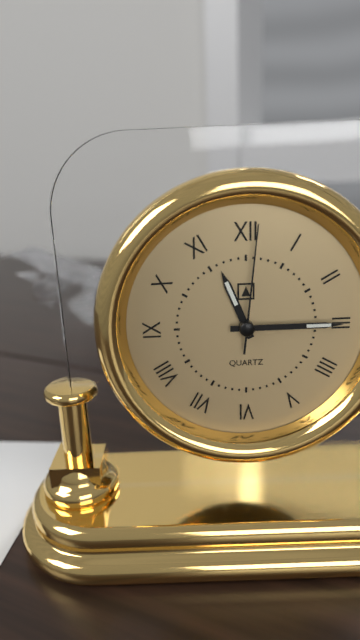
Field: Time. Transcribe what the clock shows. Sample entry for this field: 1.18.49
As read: 11.15.01
